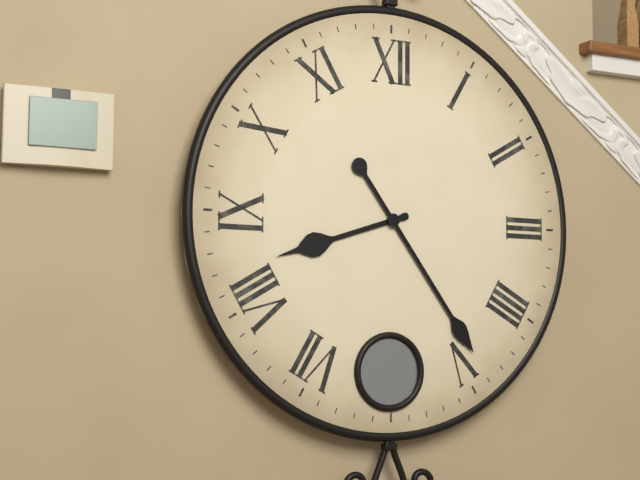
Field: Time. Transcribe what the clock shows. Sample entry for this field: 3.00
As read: 8.24
